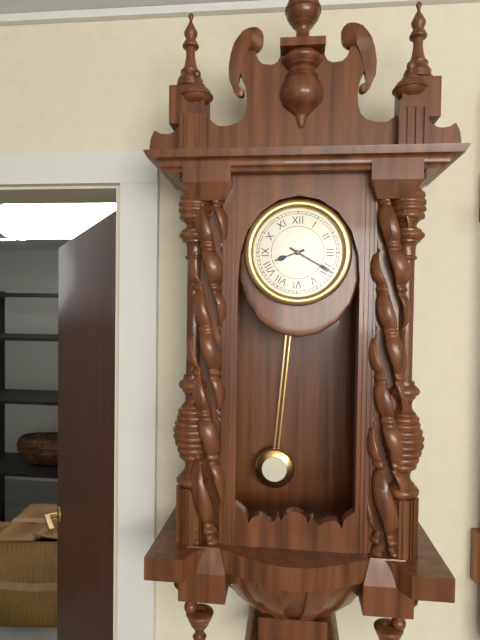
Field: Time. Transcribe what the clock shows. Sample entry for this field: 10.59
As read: 8.20
